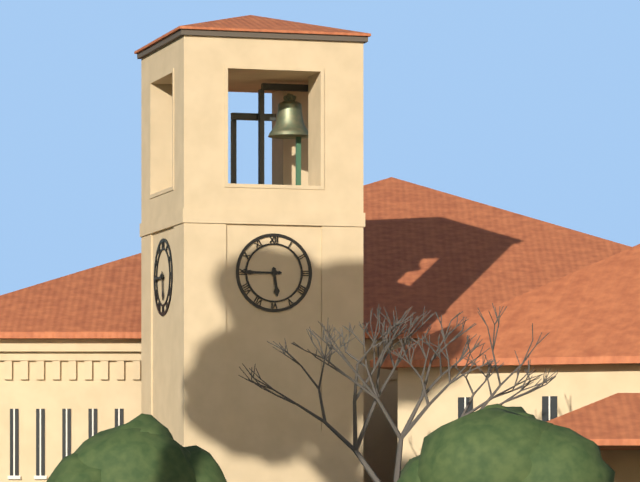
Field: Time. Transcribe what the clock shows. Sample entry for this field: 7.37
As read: 5.45
